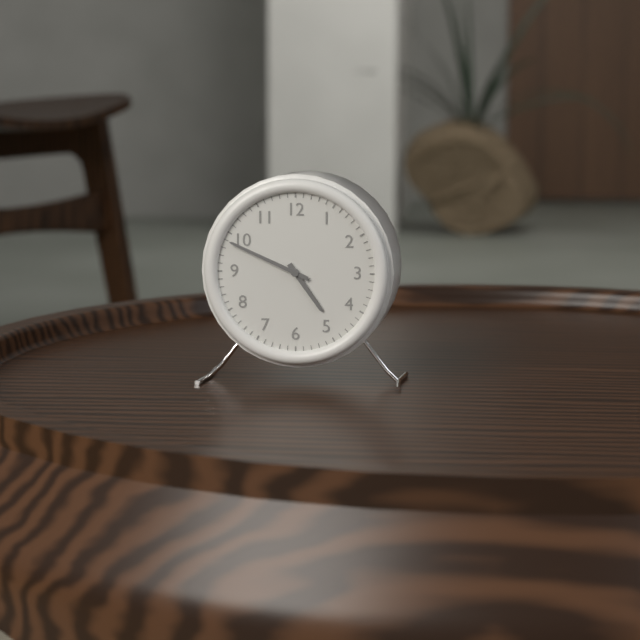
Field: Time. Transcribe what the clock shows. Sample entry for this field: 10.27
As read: 4.49
